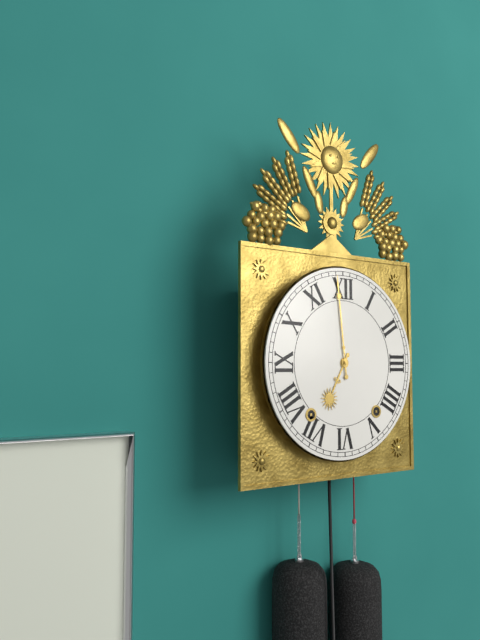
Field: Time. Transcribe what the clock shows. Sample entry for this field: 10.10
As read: 6.59
